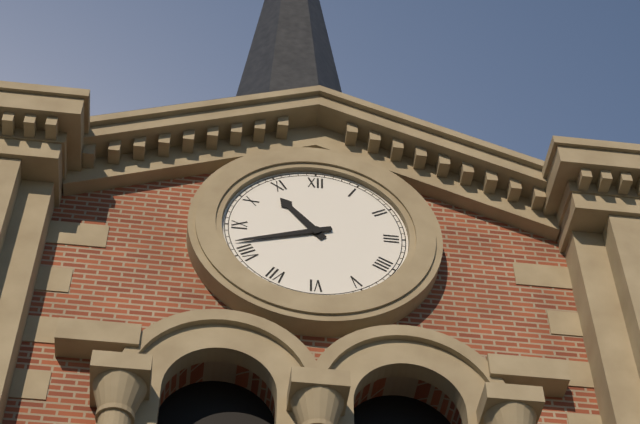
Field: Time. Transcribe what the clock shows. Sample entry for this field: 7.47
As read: 10.42
